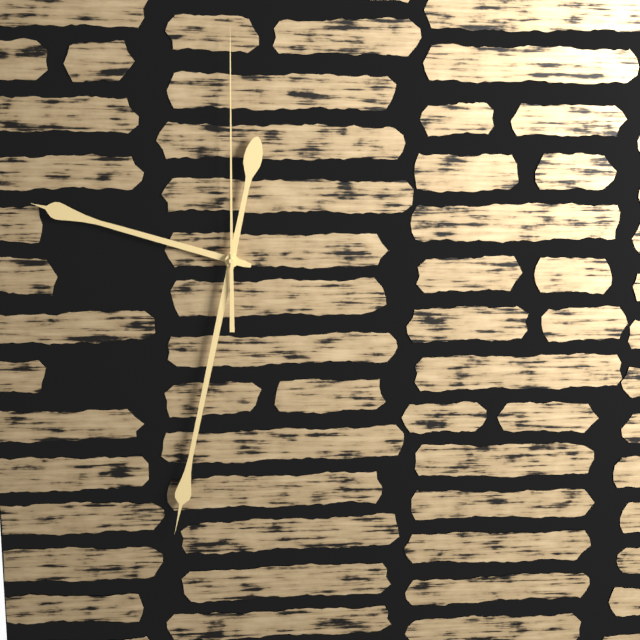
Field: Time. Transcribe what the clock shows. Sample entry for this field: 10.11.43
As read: 9.32.00
